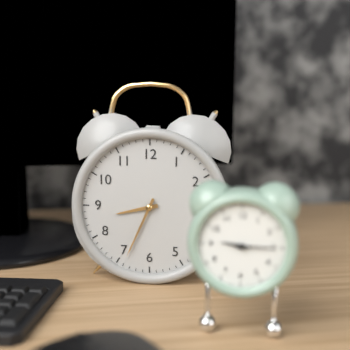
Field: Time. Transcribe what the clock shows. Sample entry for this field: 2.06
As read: 8.34
